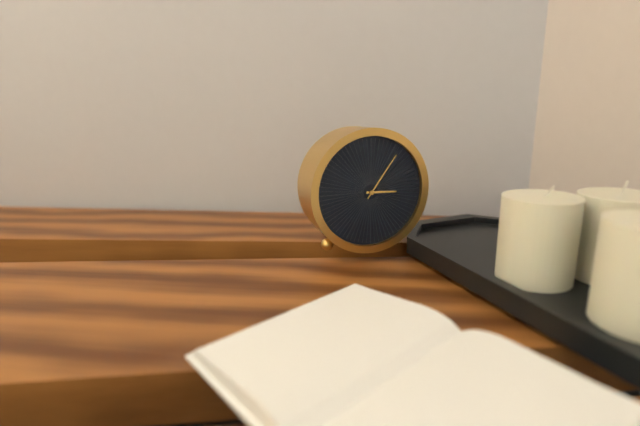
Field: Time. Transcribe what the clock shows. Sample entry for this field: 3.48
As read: 3.06
